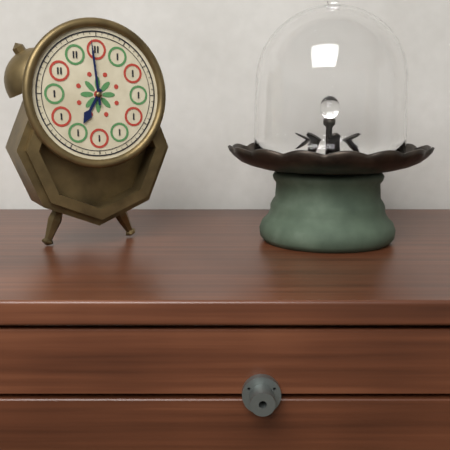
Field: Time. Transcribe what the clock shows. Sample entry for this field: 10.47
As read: 6.59
